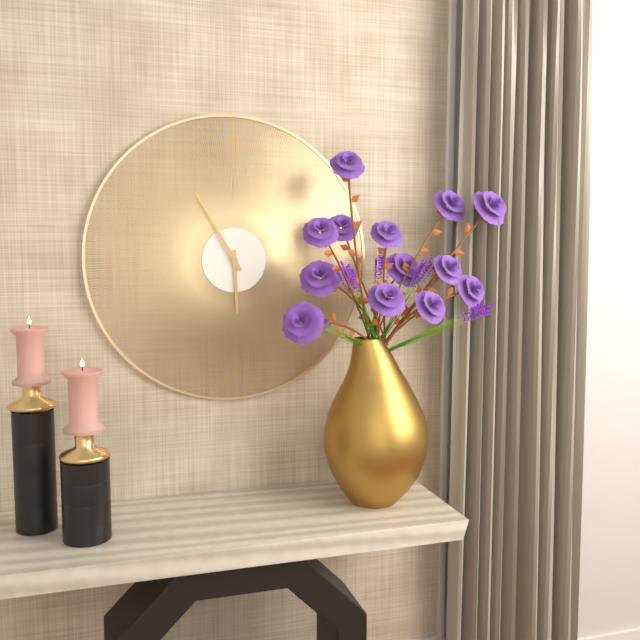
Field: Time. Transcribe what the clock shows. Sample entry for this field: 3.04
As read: 5.55
